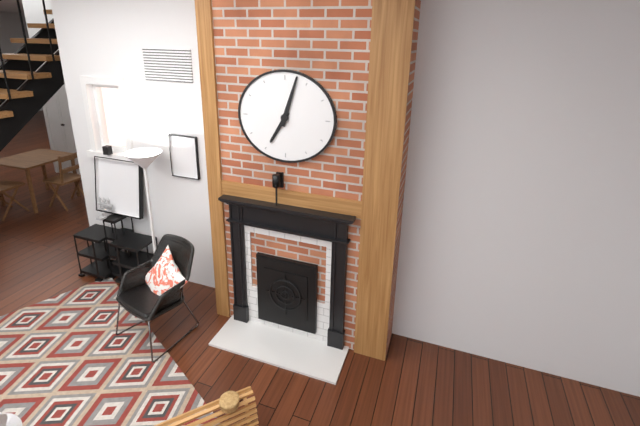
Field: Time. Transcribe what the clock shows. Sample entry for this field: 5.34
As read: 7.03
